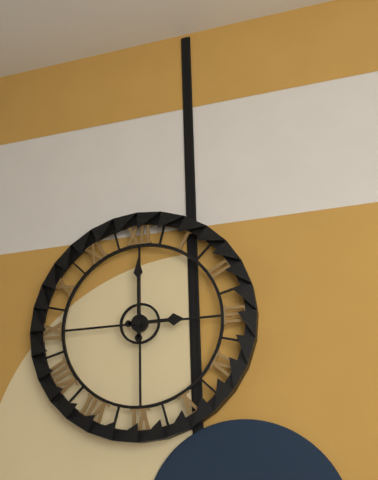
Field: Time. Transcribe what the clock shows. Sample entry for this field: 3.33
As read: 3.00
